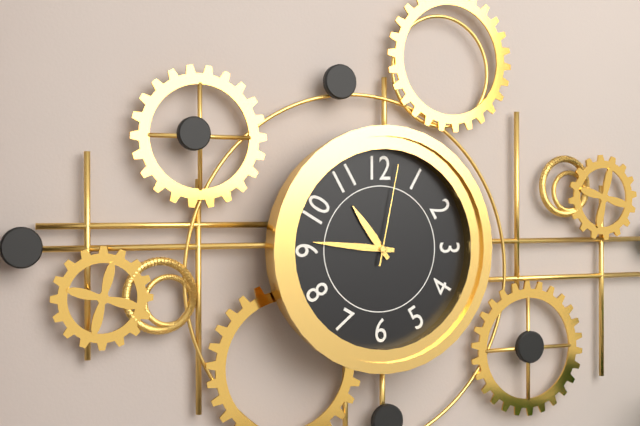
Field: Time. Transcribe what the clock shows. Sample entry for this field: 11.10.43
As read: 10.46.02
